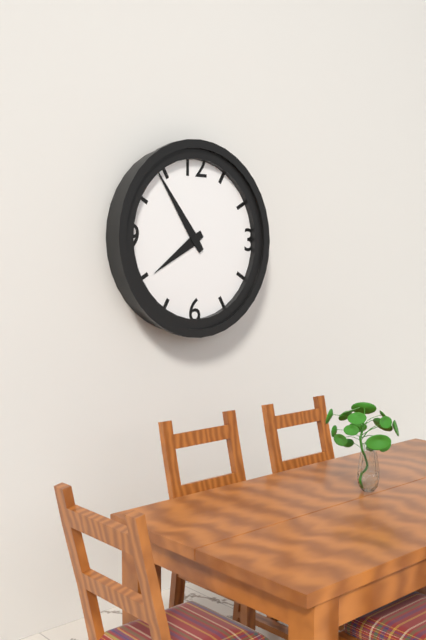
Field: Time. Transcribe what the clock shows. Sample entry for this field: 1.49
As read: 7.54
